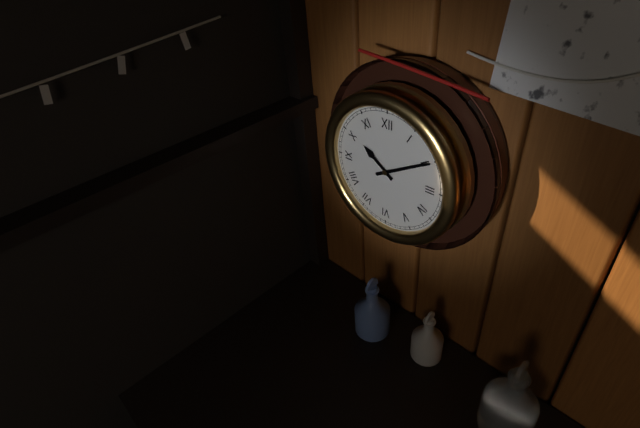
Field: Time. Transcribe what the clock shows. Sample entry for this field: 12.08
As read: 10.10
